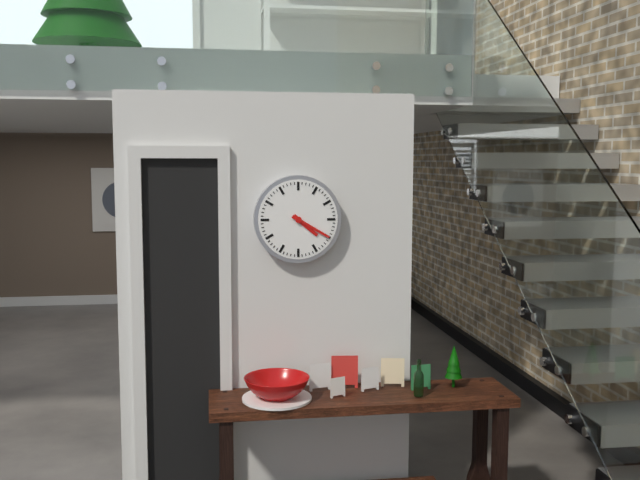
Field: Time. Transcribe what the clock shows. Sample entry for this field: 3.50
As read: 4.20
